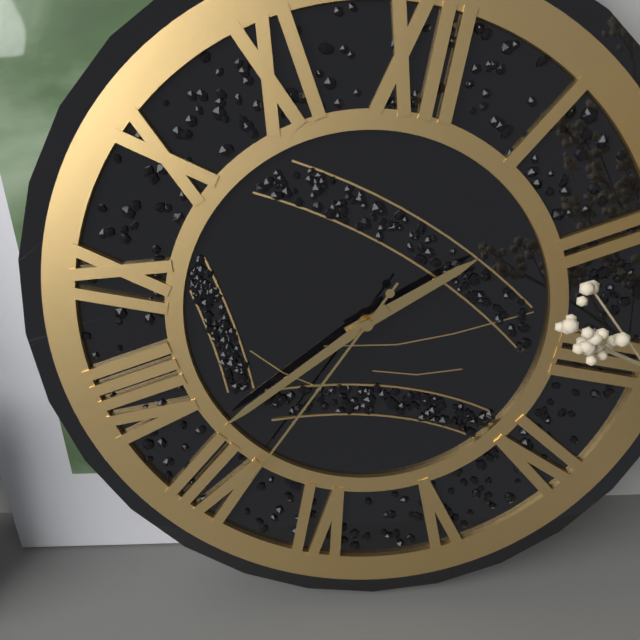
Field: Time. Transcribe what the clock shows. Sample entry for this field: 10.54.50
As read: 1.37.34
